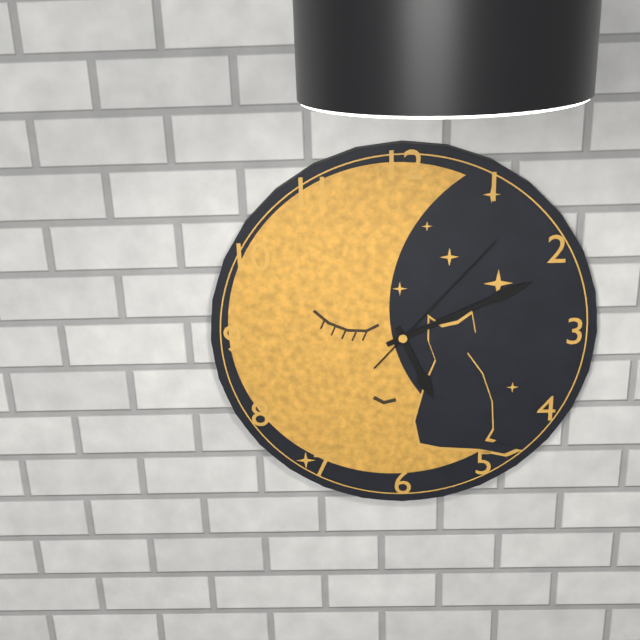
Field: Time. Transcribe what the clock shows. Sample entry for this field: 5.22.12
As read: 5.11.07
